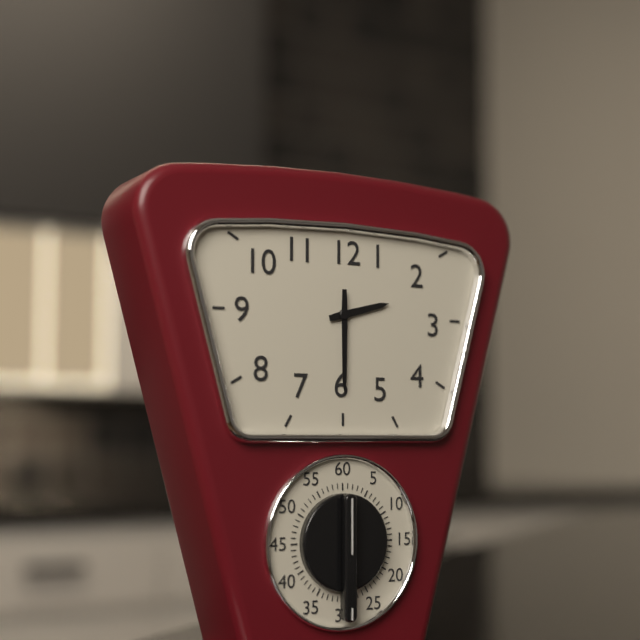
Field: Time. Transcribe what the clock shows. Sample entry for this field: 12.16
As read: 2.30
